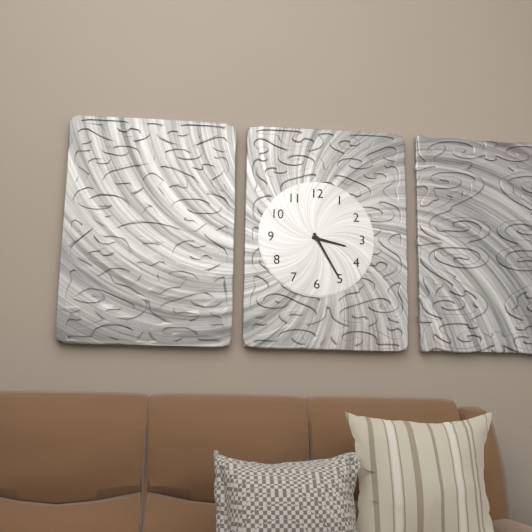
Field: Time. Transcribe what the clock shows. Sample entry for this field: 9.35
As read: 3.25
